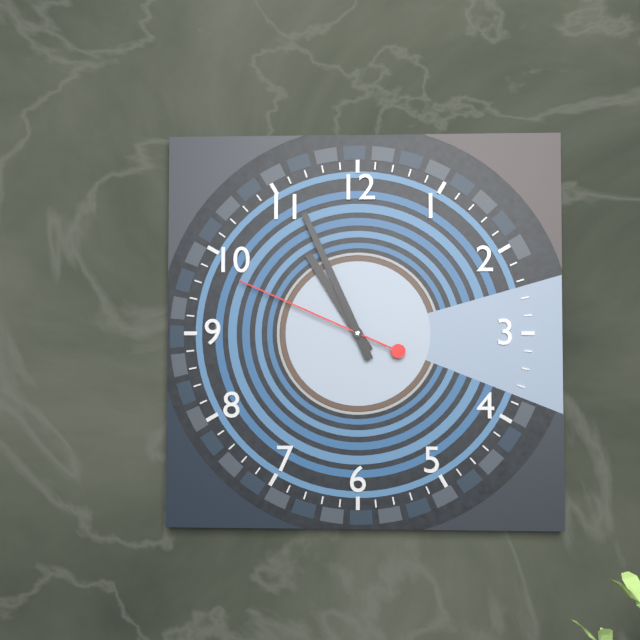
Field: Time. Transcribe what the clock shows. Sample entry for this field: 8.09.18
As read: 10.56.49
